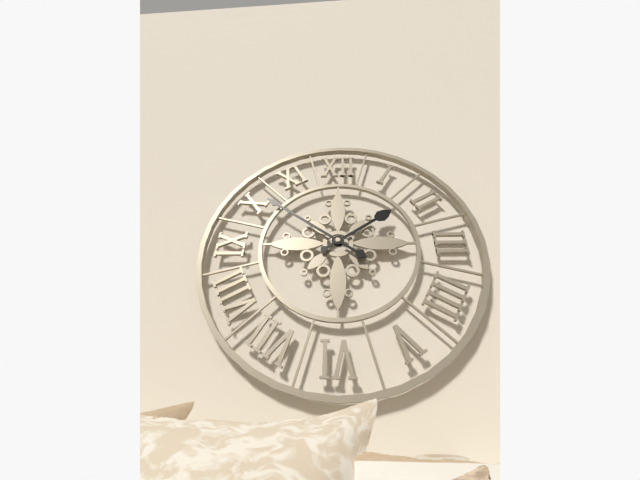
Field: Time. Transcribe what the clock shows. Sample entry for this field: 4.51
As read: 1.51
